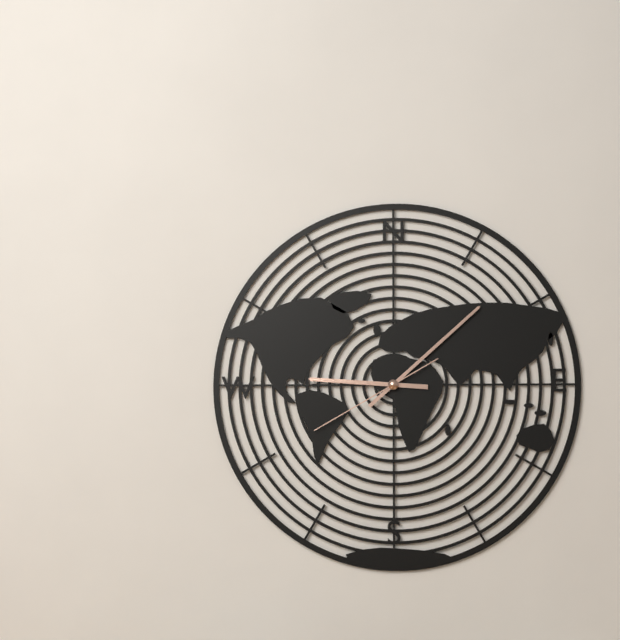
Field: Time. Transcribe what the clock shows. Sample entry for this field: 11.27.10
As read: 9.08.40
